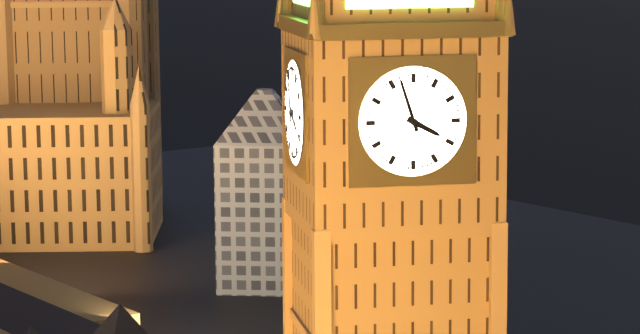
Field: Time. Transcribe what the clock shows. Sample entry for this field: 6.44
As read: 3.57
